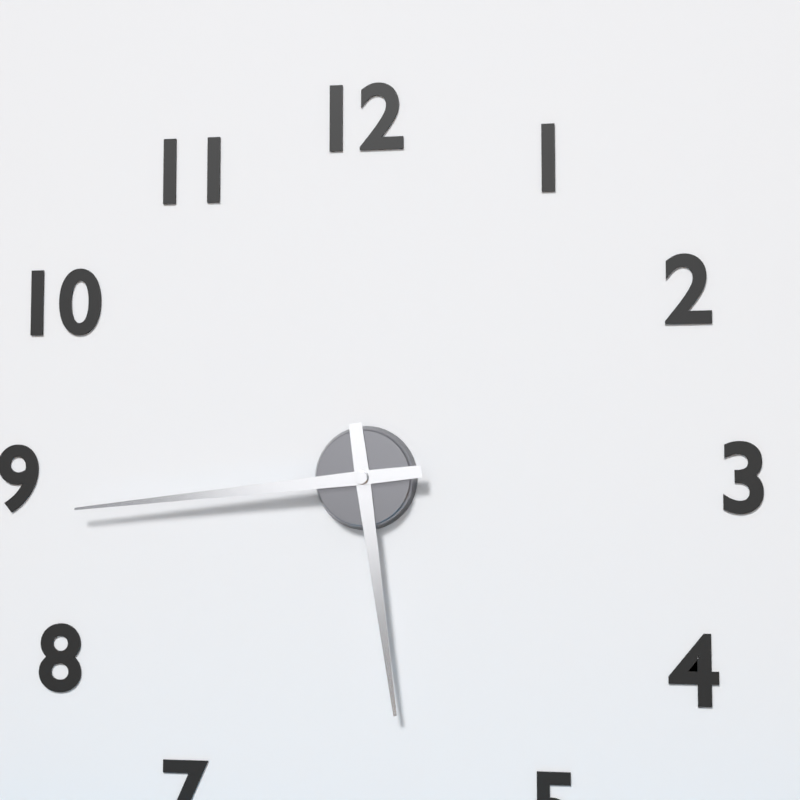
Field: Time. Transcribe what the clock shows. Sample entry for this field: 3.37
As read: 5.44
